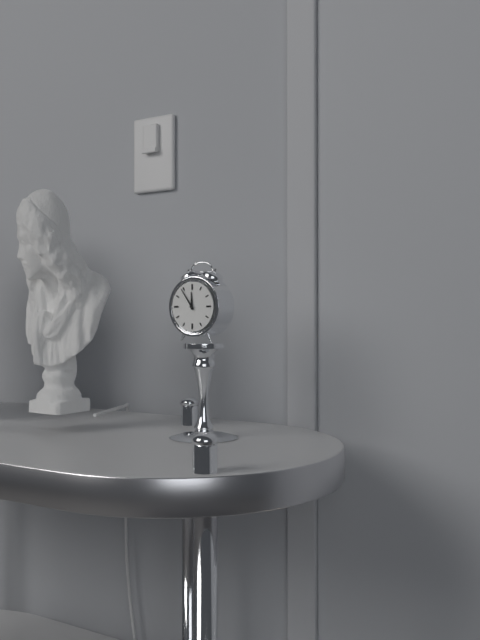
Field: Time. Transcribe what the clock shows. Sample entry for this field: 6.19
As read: 11.54
